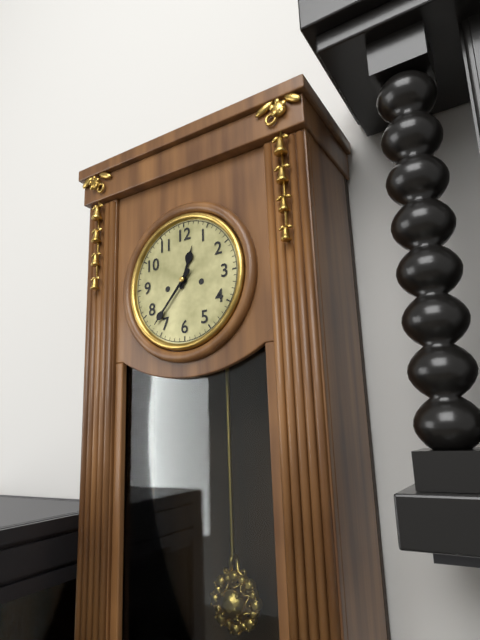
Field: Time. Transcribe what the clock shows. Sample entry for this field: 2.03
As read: 12.37
